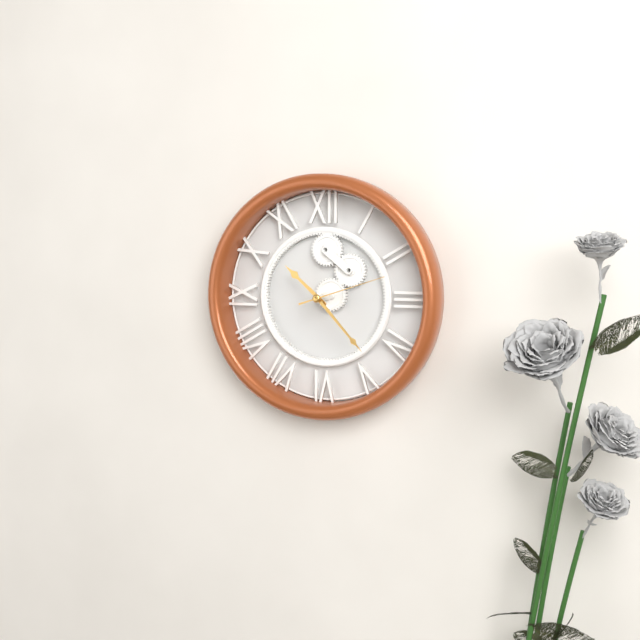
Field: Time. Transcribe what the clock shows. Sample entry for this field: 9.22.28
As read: 10.23.12
